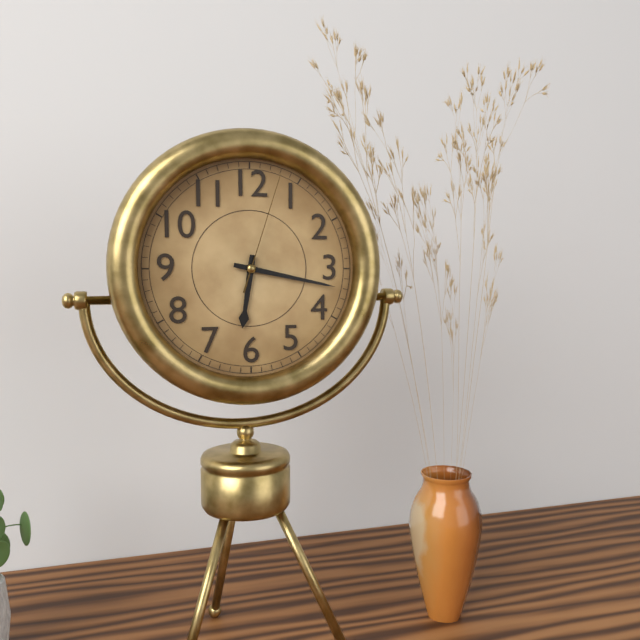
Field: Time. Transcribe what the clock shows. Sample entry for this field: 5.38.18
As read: 6.17.03
